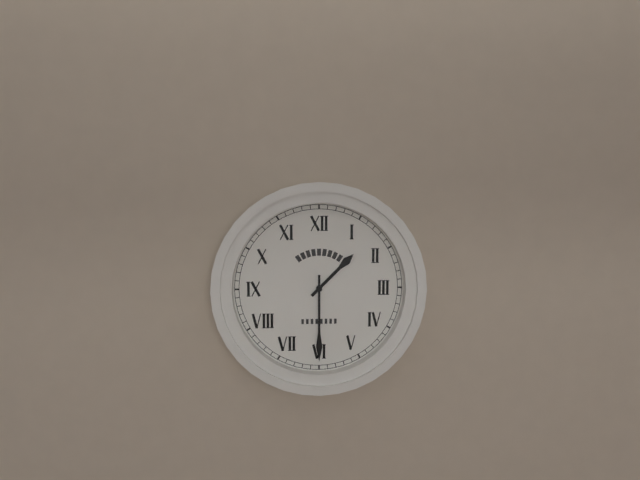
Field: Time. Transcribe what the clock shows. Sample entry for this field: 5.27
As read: 1.30
